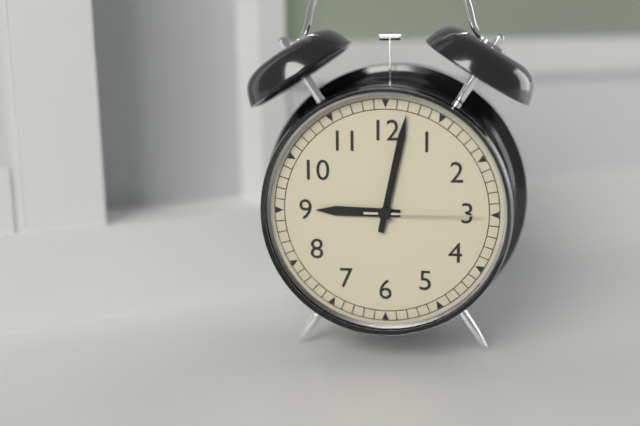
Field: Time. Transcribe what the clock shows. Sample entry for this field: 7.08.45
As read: 9.02.15
